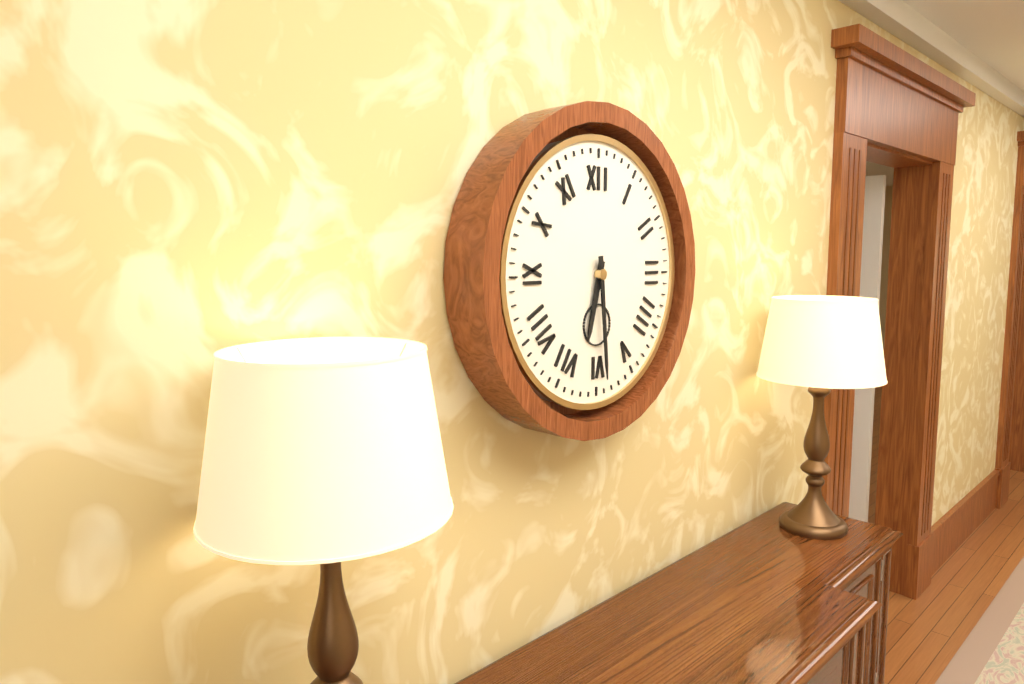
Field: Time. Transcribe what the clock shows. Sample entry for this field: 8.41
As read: 6.29
